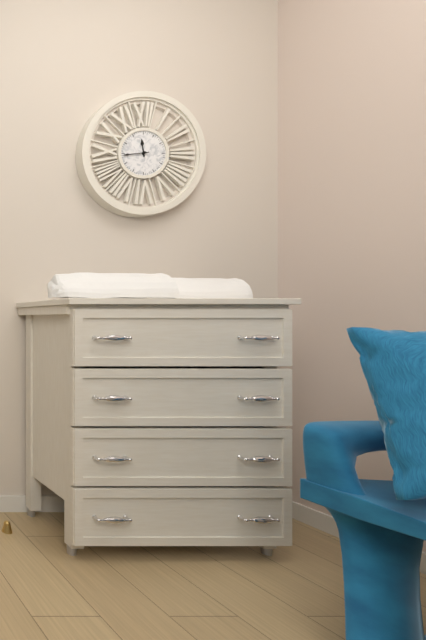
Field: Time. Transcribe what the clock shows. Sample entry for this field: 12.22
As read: 11.44
